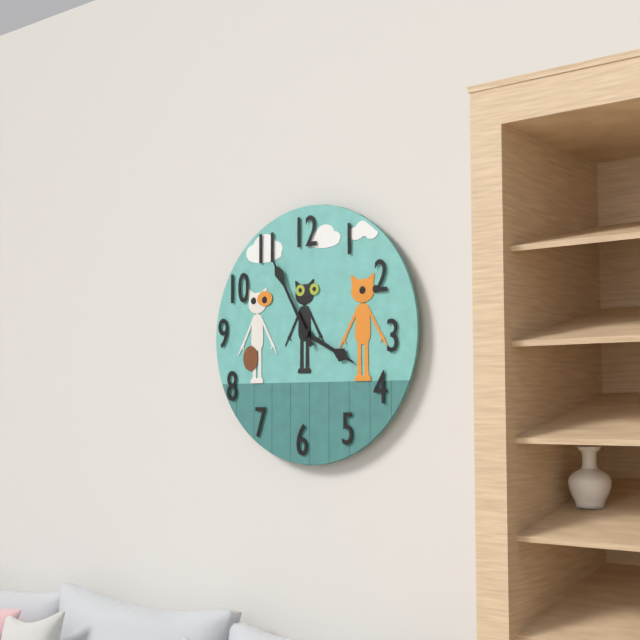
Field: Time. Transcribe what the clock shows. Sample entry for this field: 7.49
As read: 3.55
